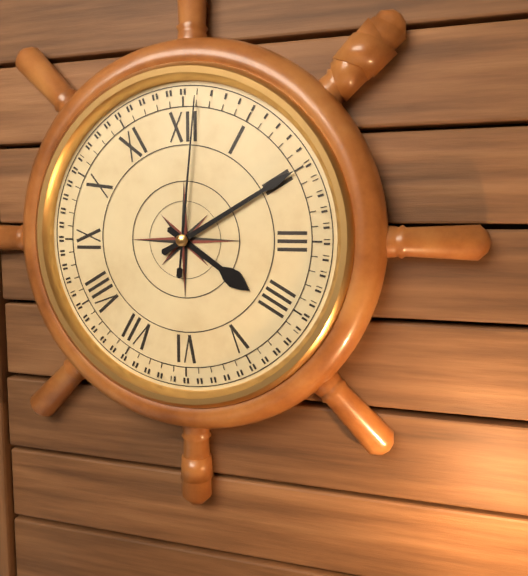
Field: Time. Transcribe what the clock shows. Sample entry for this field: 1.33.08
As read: 4.10.01
